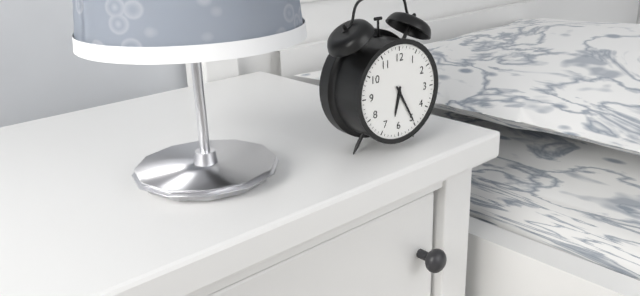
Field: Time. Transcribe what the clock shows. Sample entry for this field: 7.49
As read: 6.25
